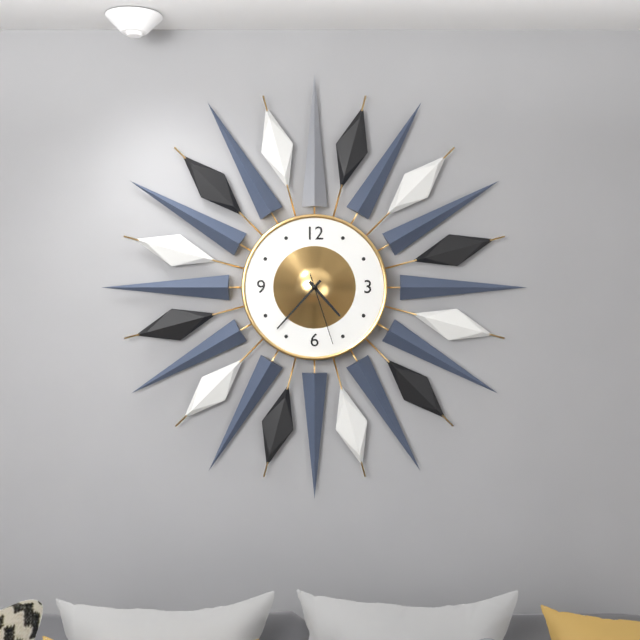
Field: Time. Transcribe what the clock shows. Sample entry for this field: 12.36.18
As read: 4.37.27
